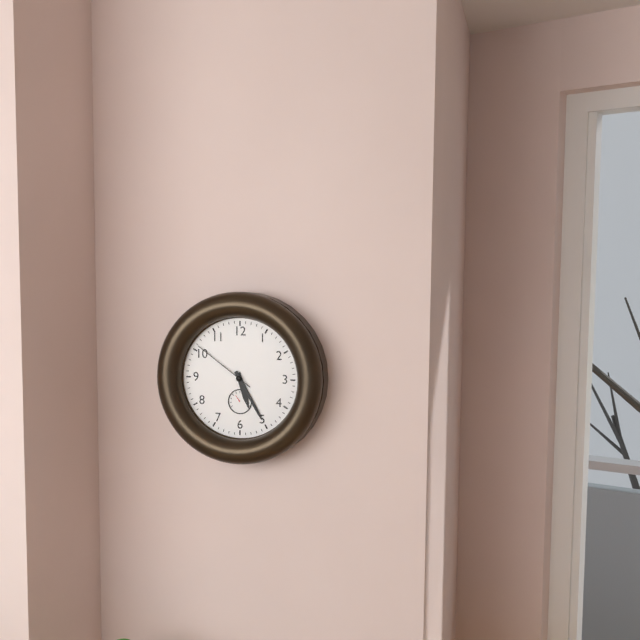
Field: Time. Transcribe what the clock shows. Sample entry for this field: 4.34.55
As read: 5.25.51
